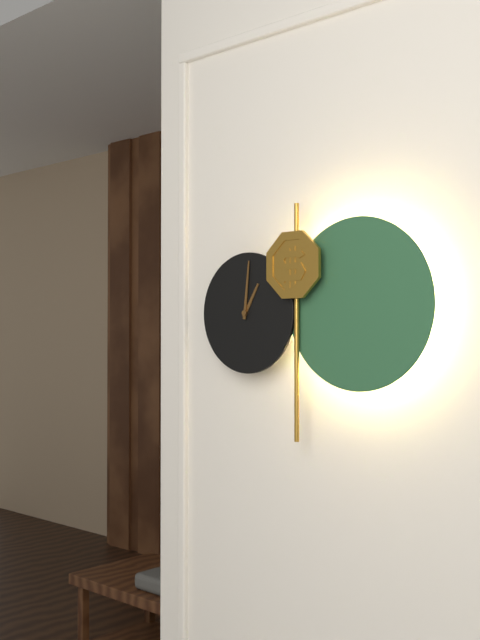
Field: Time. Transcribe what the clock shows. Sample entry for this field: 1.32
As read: 1.01
